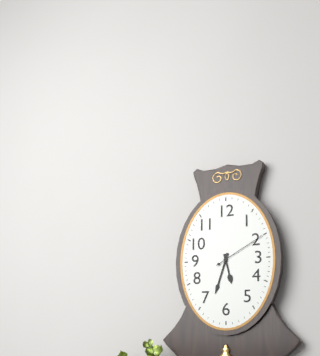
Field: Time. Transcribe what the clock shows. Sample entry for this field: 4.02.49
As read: 5.33.10
